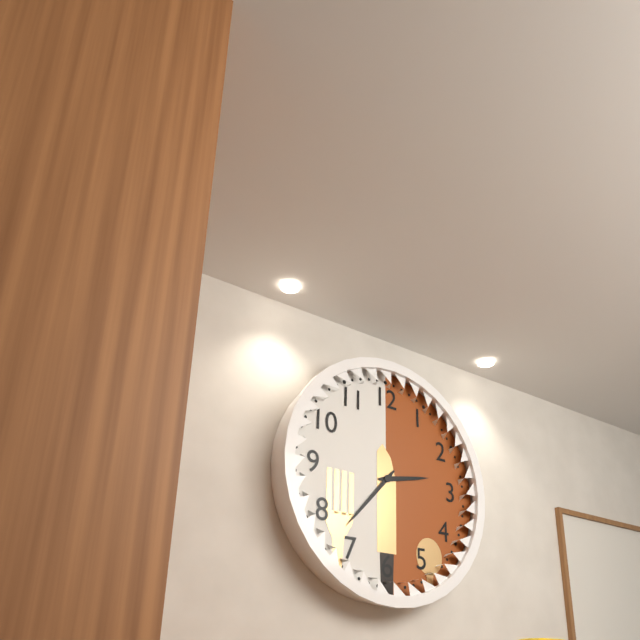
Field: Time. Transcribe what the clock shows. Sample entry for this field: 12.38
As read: 2.37
